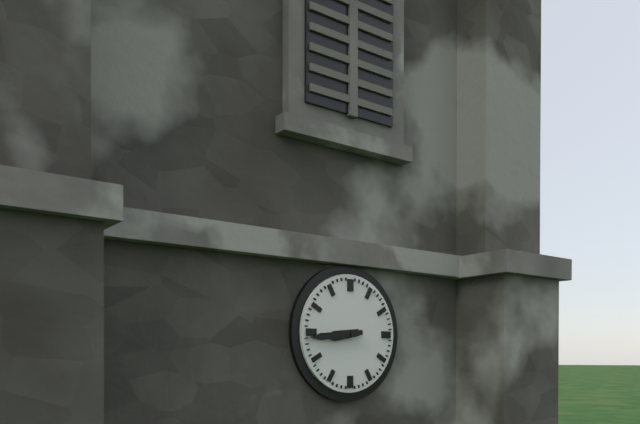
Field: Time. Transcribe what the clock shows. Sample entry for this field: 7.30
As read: 8.44
